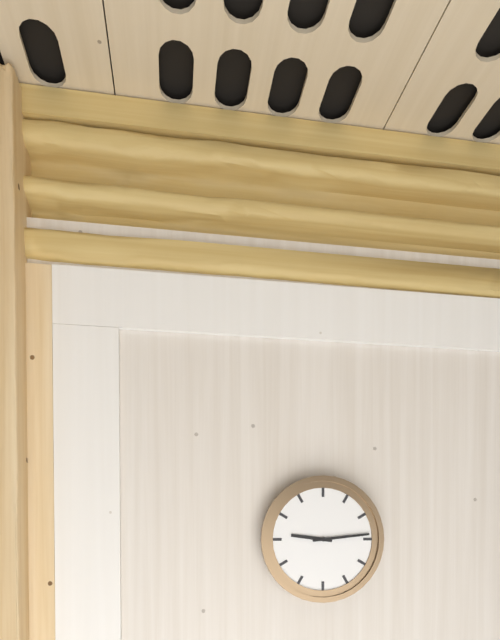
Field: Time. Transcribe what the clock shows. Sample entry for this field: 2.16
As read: 9.14
